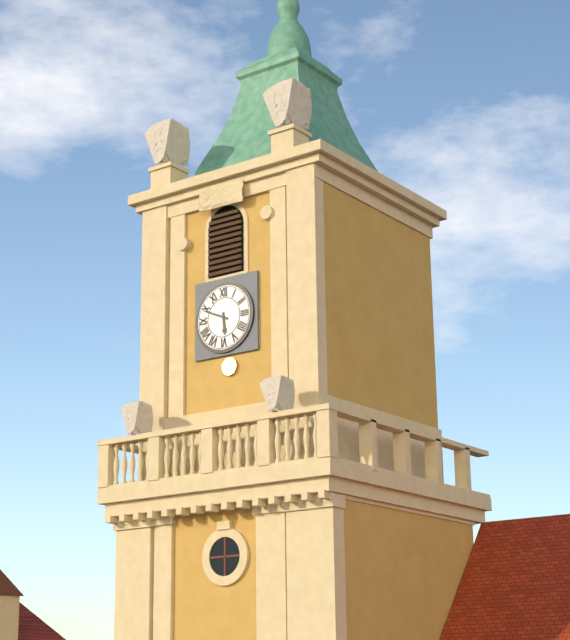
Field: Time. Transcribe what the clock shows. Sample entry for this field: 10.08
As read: 5.49
